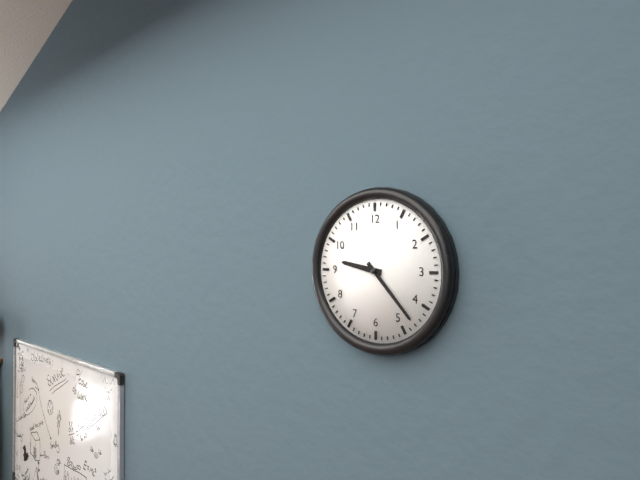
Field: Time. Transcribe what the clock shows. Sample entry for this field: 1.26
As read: 9.23
